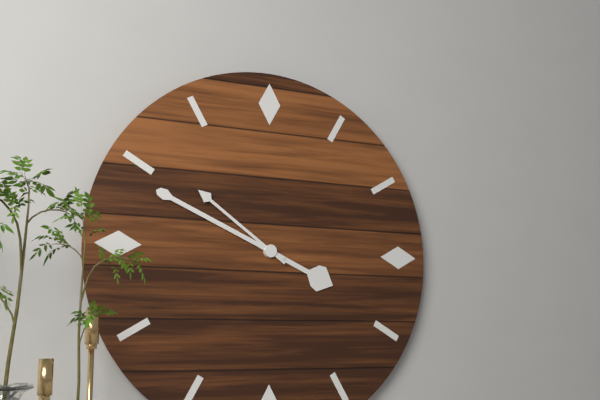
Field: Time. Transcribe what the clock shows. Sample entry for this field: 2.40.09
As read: 3.49.51
